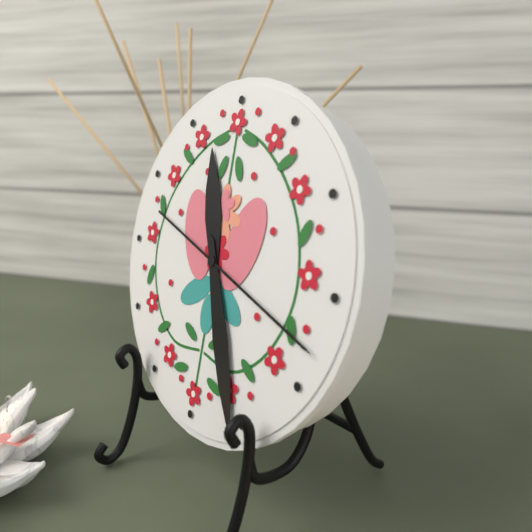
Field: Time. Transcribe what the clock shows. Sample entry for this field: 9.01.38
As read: 11.26.18
